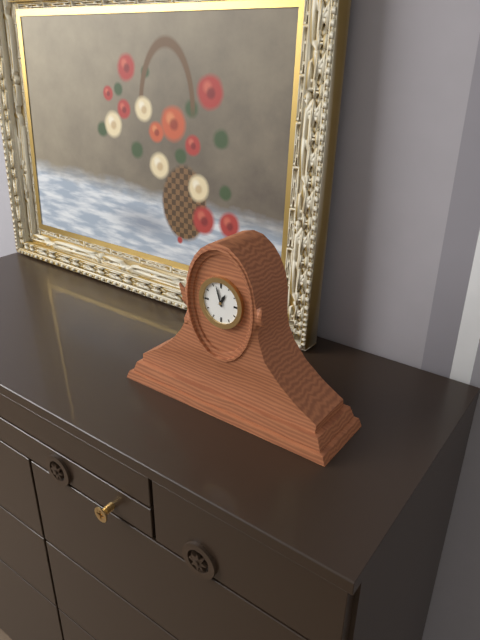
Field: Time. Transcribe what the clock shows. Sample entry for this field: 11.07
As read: 12.57
